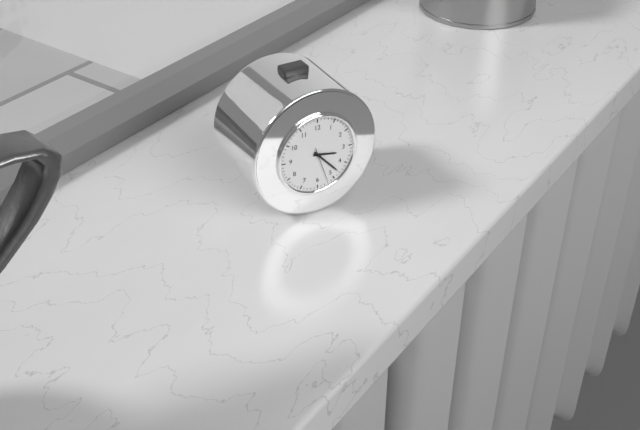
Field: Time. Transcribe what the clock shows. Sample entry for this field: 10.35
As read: 3.23
